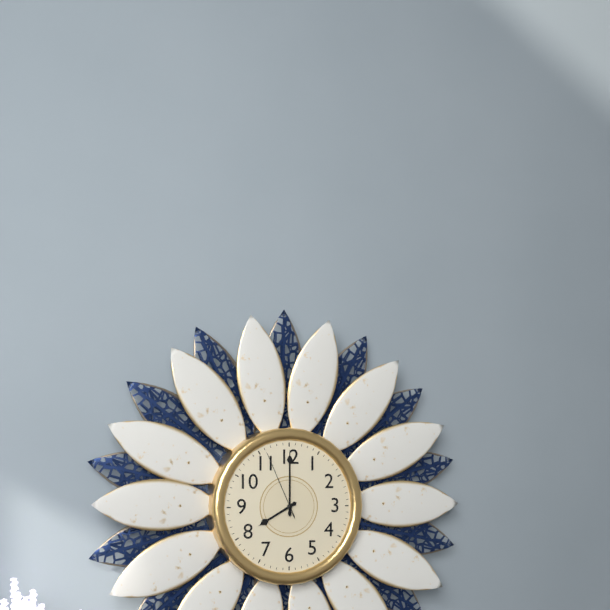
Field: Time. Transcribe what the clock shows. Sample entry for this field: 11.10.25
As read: 8.00.56
